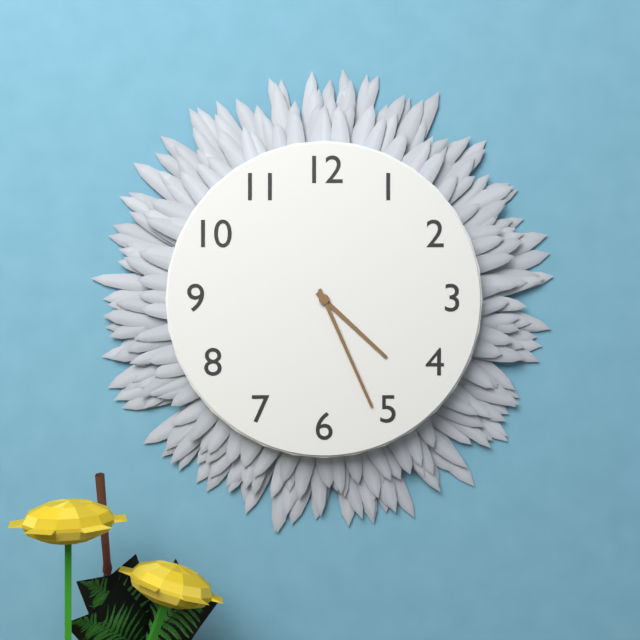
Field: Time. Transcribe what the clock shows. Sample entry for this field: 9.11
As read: 4.26
